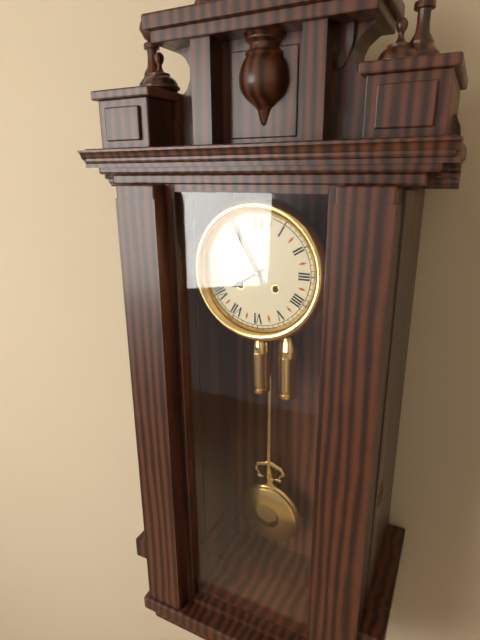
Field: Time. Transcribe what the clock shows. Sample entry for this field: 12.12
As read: 7.55
